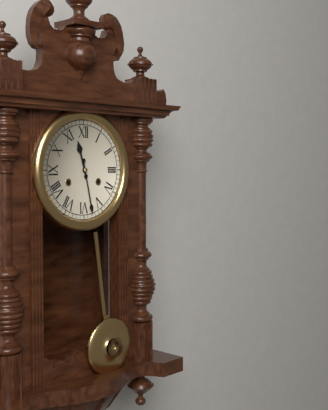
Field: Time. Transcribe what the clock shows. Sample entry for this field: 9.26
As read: 11.28
